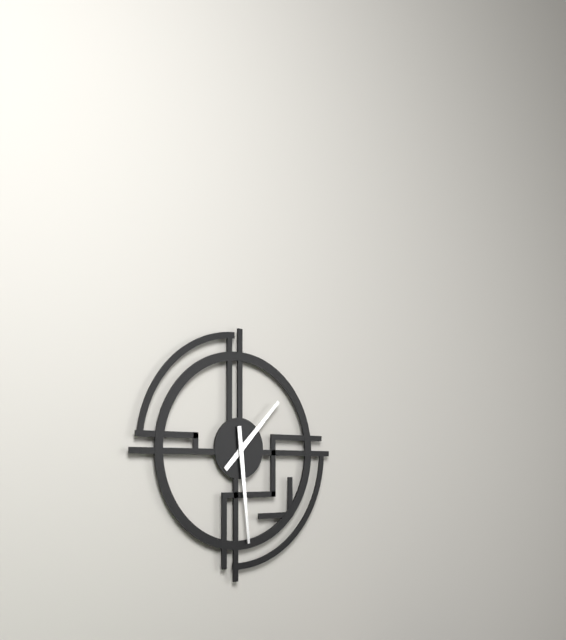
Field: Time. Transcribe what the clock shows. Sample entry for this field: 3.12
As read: 1.29
